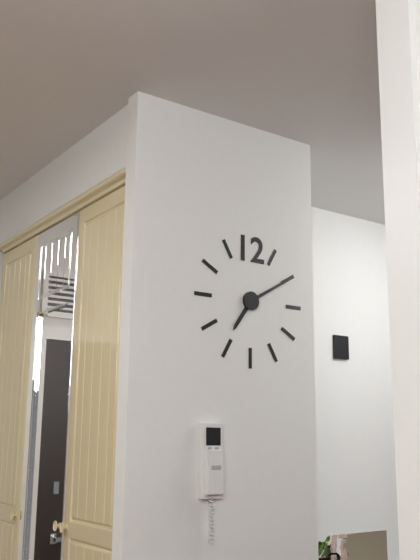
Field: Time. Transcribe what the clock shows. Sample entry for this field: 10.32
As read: 7.10
